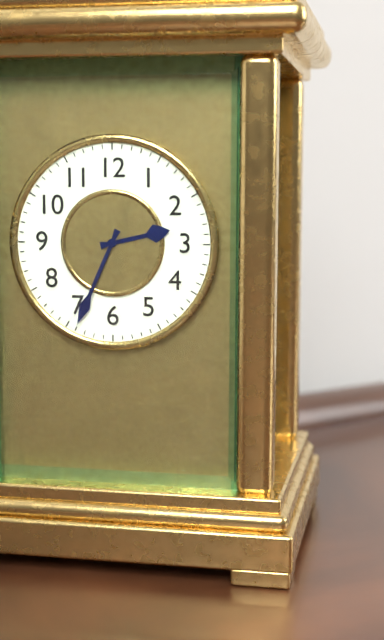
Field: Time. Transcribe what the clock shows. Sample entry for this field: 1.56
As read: 2.34
